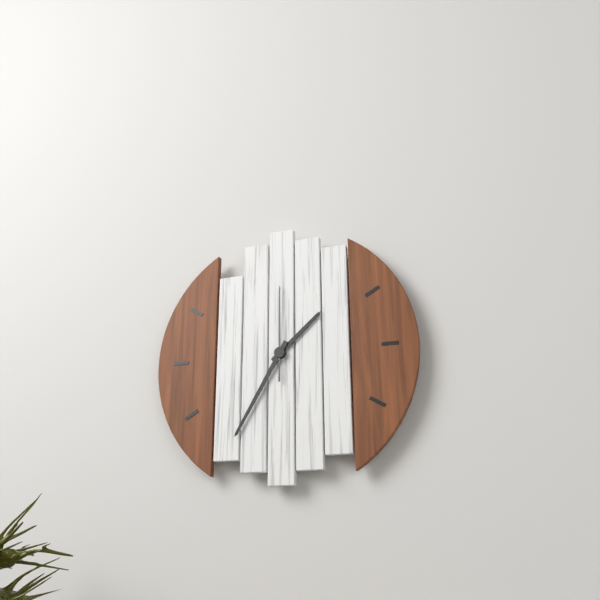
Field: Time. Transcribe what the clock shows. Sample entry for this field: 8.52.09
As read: 1.35.00
